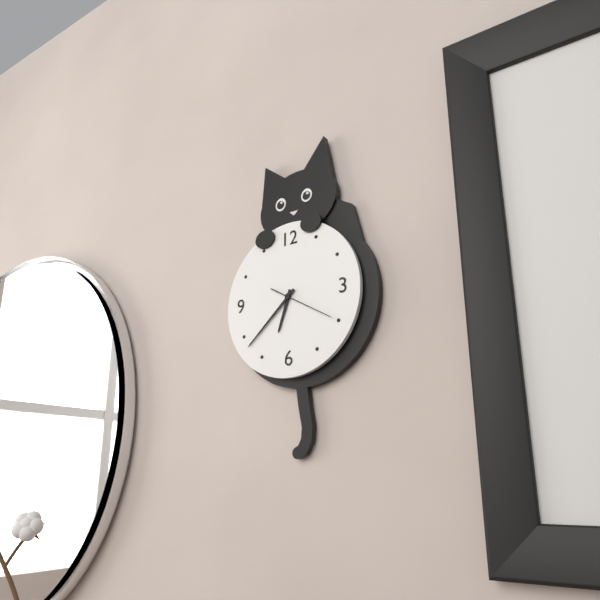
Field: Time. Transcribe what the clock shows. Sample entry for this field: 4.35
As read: 6.38
